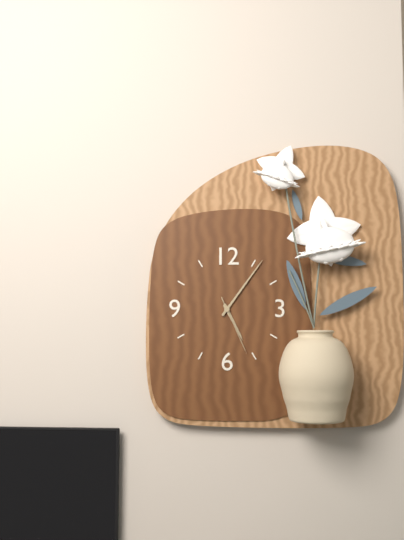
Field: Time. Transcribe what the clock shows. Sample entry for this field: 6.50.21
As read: 5.06.26
